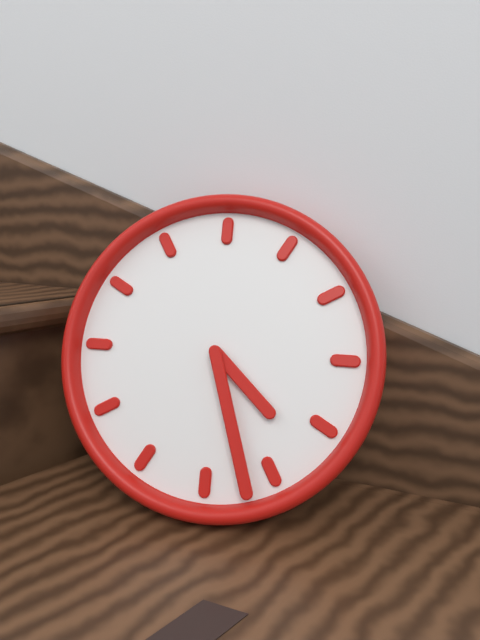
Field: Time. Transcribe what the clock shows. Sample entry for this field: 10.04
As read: 4.27
